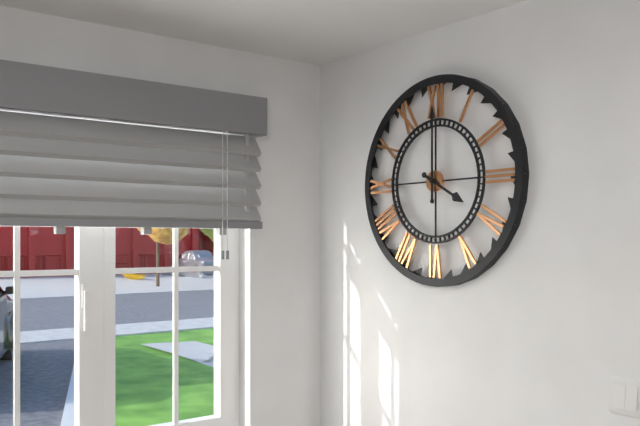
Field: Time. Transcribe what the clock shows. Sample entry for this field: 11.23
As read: 4.00
